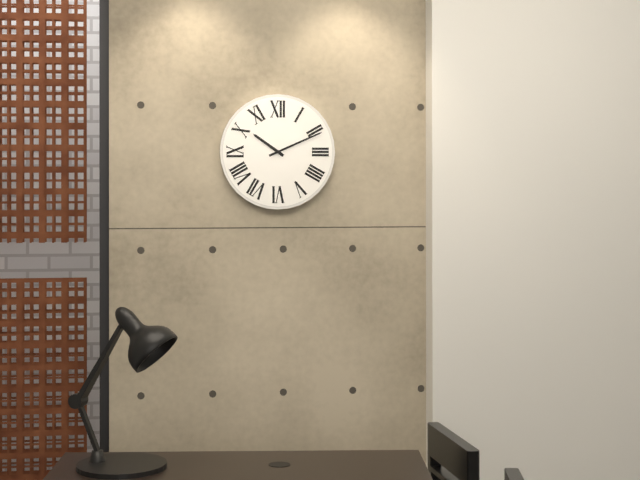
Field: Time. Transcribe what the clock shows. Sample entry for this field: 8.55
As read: 10.11
